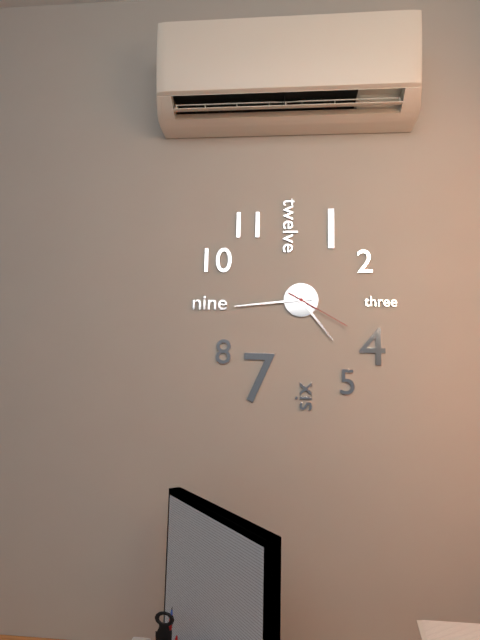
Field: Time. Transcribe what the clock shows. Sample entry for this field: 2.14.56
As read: 4.44.20
